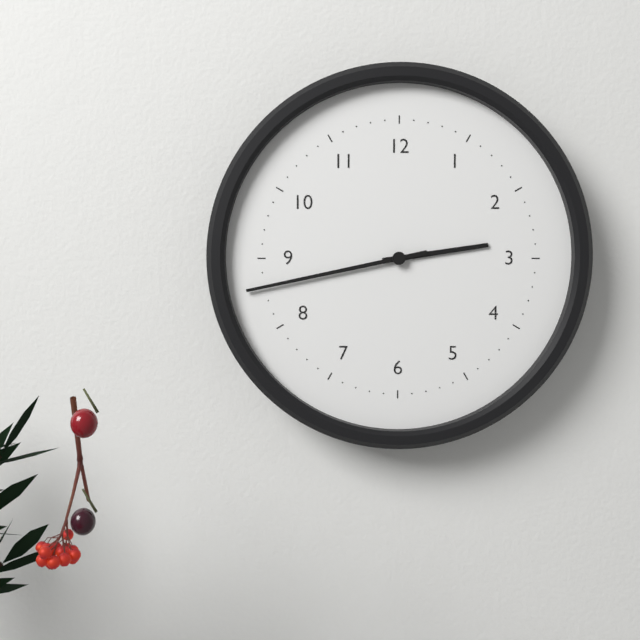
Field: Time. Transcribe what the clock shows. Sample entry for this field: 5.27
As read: 2.43
